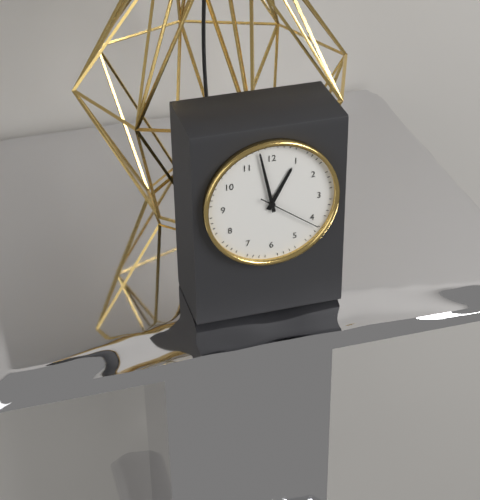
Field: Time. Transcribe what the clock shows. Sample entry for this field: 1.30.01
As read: 12.58.21
